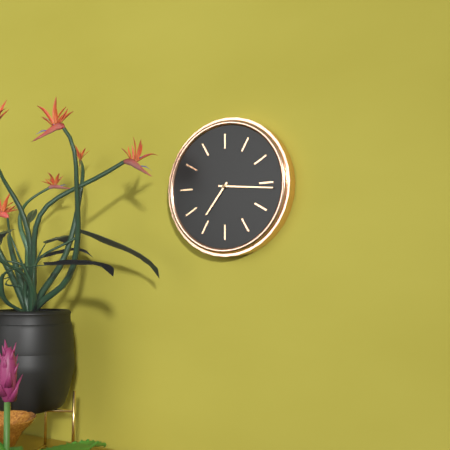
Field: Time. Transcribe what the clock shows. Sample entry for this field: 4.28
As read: 7.16
